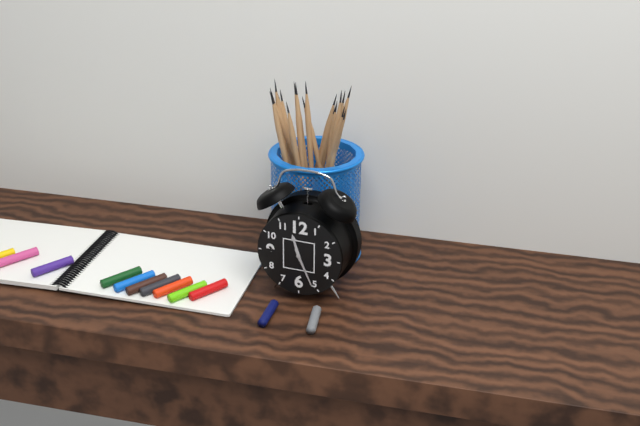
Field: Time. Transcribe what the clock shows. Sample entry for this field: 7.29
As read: 11.26
